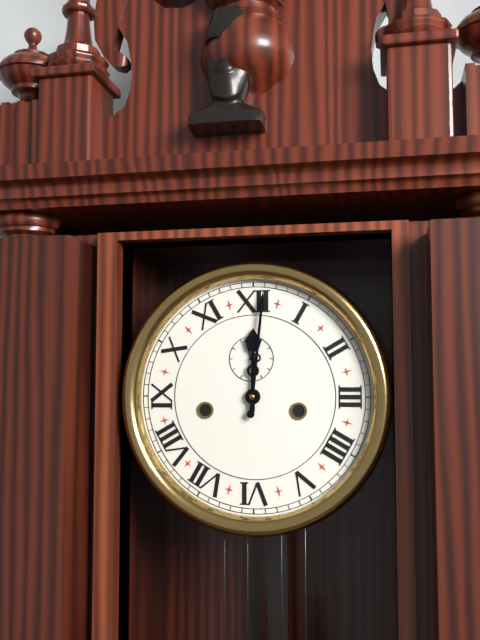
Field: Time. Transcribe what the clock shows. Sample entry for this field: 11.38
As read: 12.01
